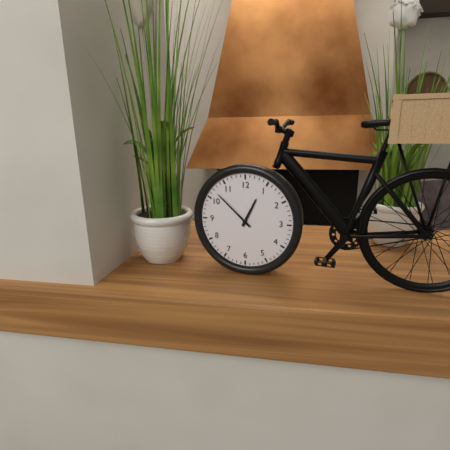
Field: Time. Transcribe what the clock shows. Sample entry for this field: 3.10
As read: 12.52
